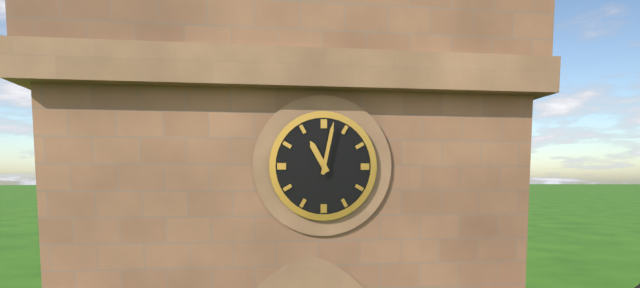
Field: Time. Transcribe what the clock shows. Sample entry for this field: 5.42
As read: 11.02
